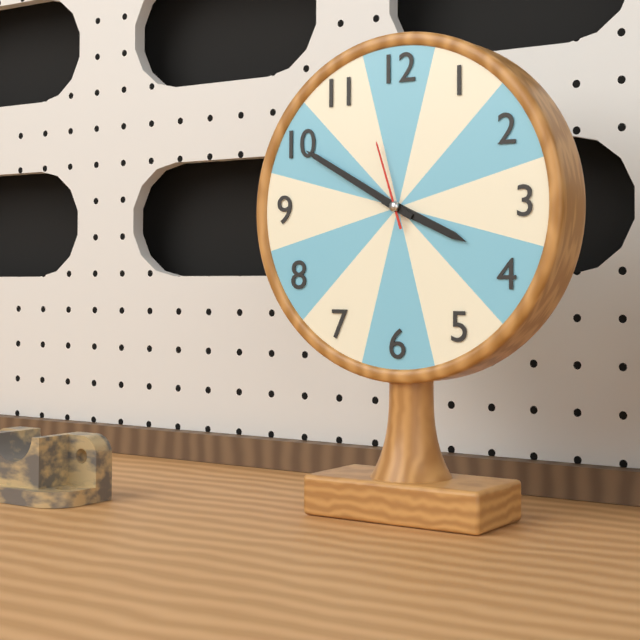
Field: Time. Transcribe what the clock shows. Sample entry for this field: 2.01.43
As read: 3.50.57
